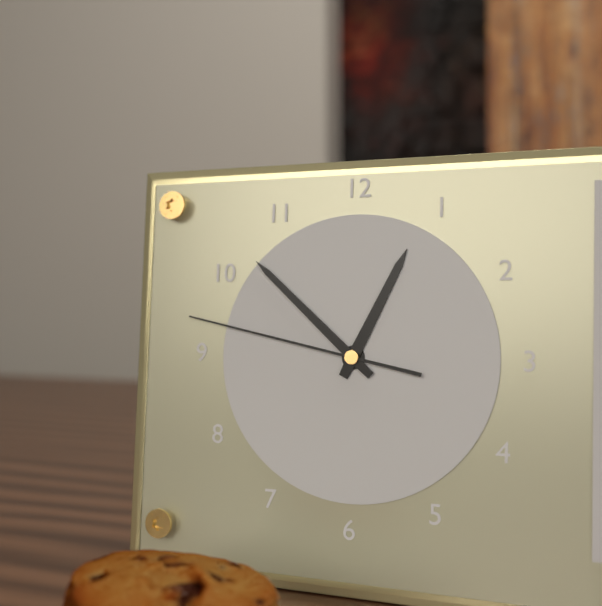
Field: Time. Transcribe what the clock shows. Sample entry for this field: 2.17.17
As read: 12.52.47
